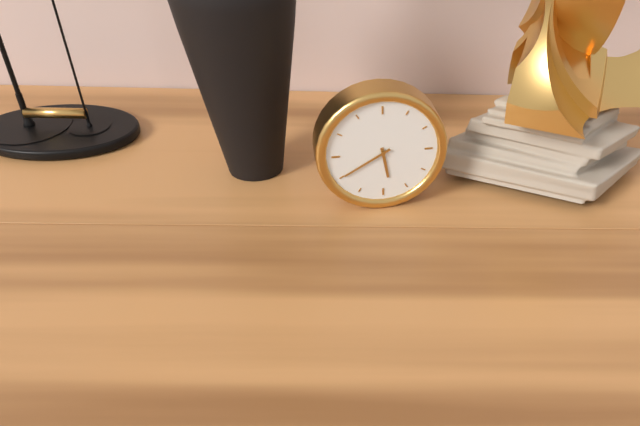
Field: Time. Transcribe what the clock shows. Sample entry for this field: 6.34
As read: 5.40
